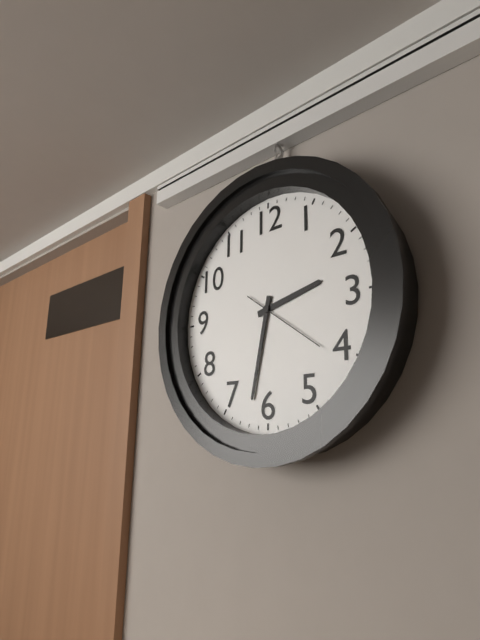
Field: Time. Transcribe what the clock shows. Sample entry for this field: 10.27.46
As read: 2.32.21
